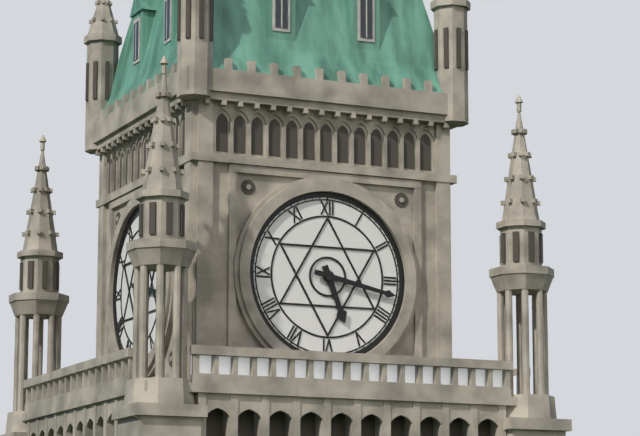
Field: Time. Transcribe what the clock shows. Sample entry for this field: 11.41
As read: 5.17
